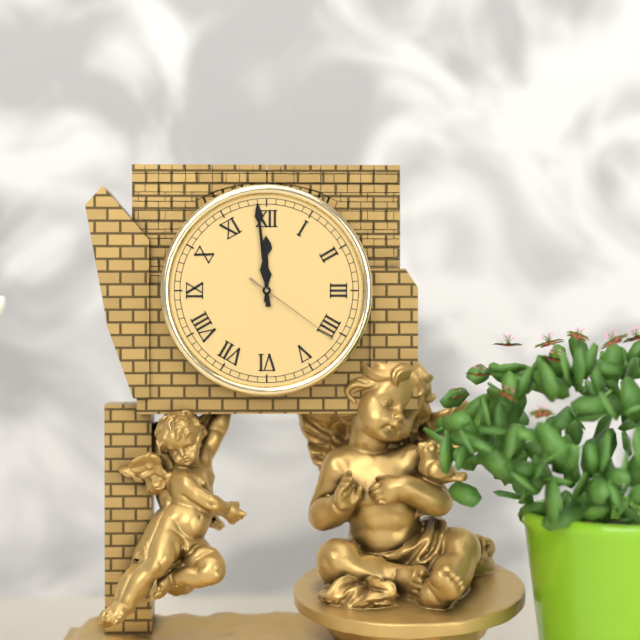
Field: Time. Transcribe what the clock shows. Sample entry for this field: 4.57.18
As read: 11.59.21
